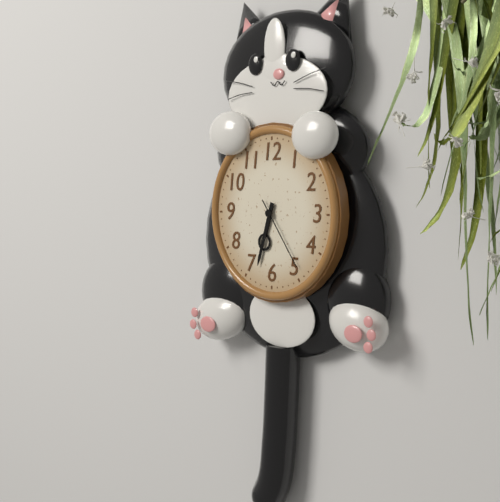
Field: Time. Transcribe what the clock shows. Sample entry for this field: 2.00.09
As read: 6.33.24
